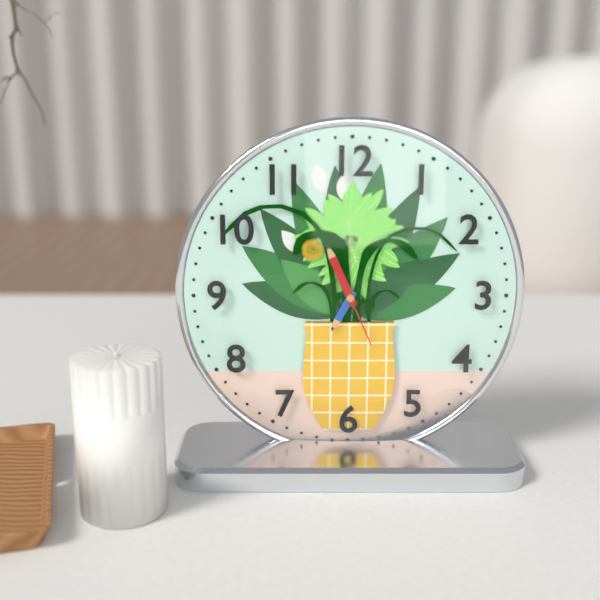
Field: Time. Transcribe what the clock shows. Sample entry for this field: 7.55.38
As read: 6.56.26
